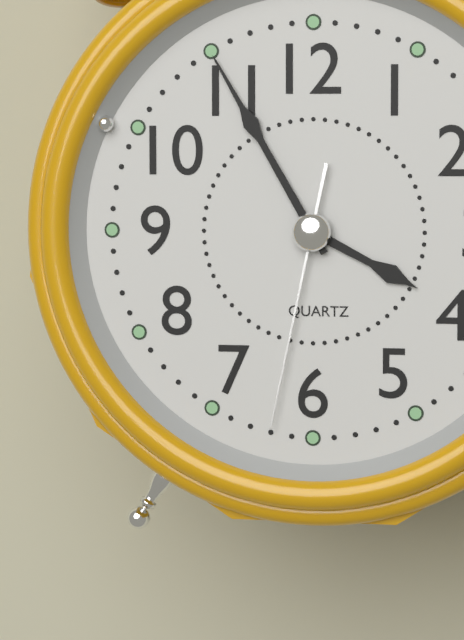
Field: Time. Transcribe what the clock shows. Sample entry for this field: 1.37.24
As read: 3.55.32
